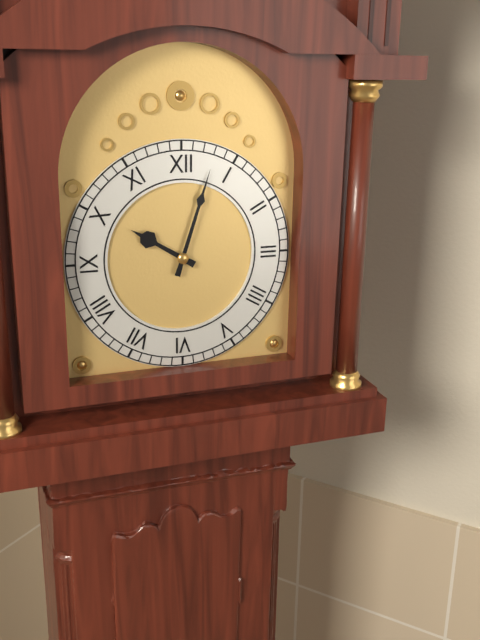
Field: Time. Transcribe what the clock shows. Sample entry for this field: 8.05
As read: 10.03
